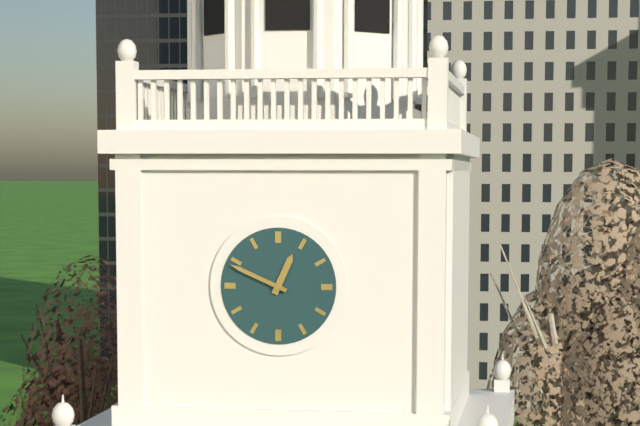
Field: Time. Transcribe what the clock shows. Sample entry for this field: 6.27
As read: 12.49
